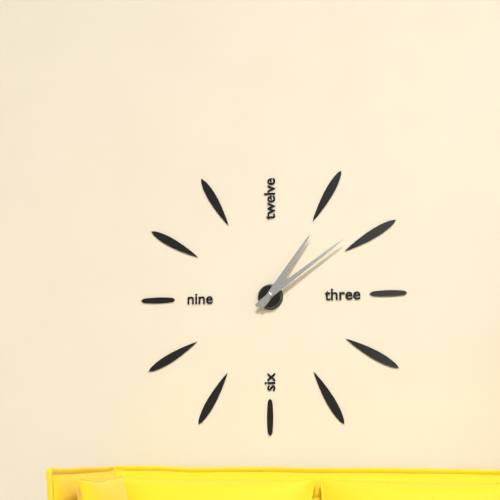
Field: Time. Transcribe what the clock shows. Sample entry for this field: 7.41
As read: 1.09
